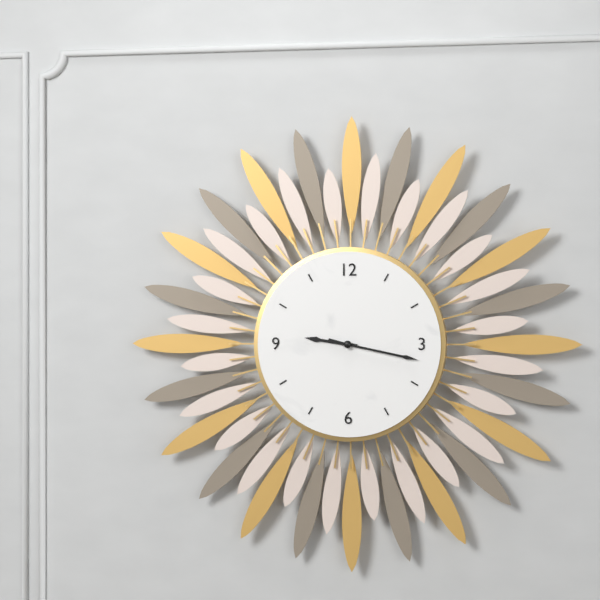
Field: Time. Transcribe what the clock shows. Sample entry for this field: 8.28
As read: 9.17
